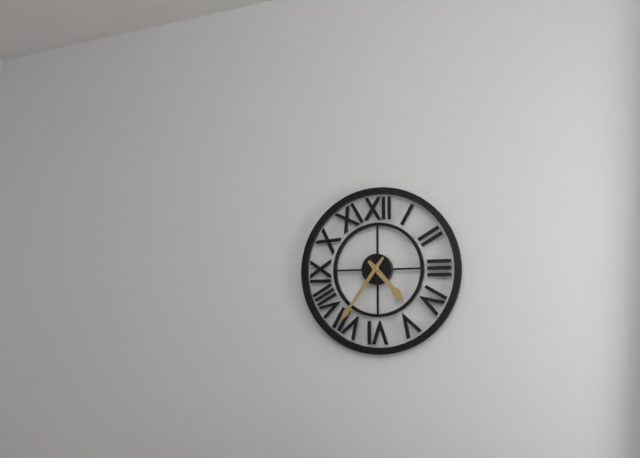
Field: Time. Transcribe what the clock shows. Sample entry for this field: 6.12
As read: 4.36
